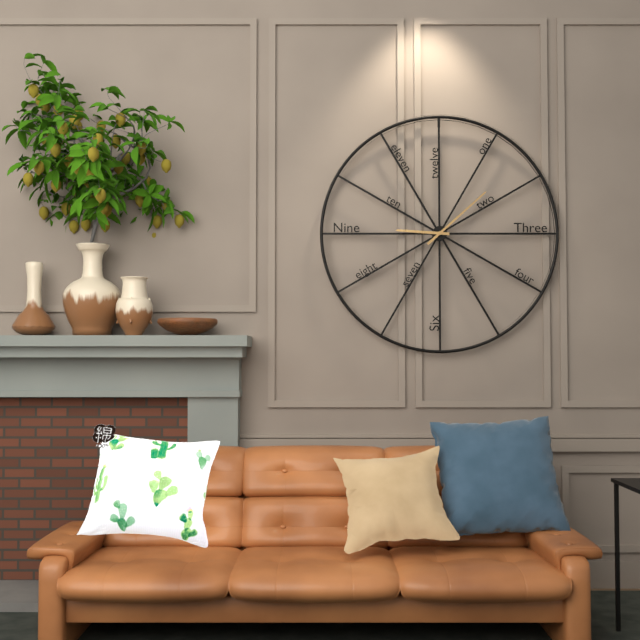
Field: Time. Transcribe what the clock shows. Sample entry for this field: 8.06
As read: 9.08
